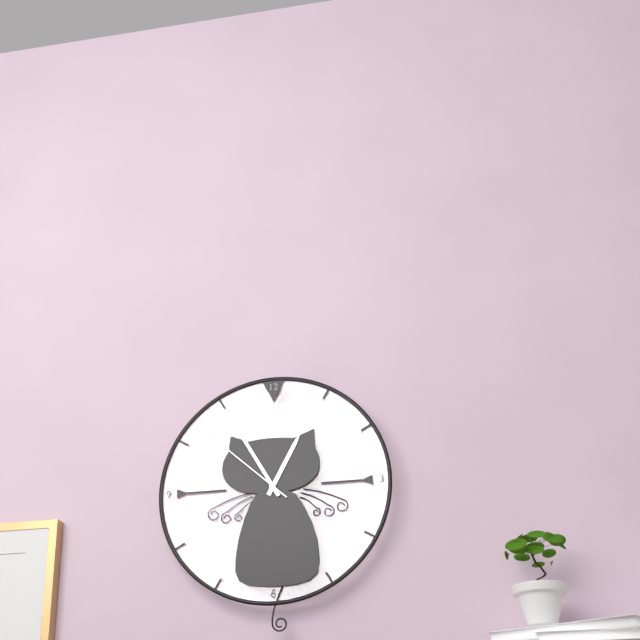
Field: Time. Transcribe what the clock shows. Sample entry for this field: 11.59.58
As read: 12.55.52
